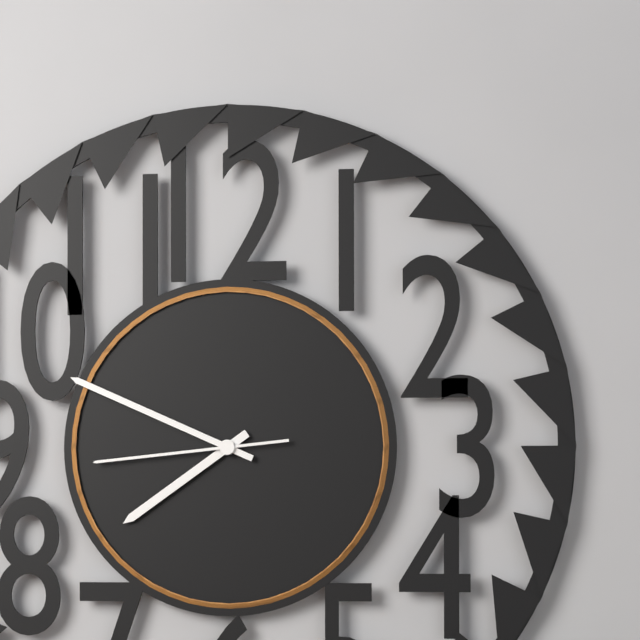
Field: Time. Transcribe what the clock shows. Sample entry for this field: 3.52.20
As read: 7.49.44
